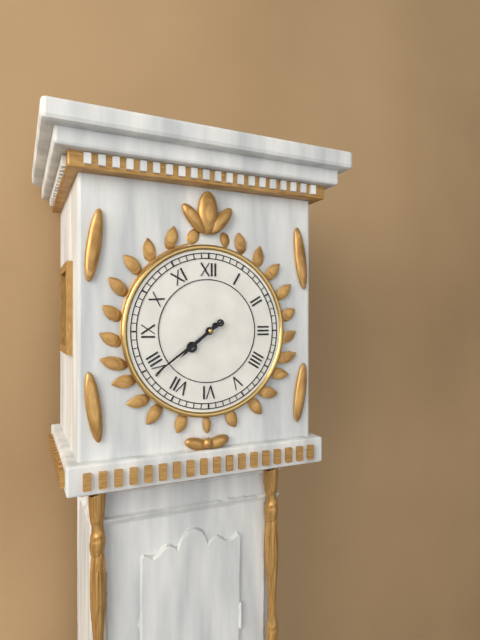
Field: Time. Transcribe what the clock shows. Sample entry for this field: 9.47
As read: 7.39
